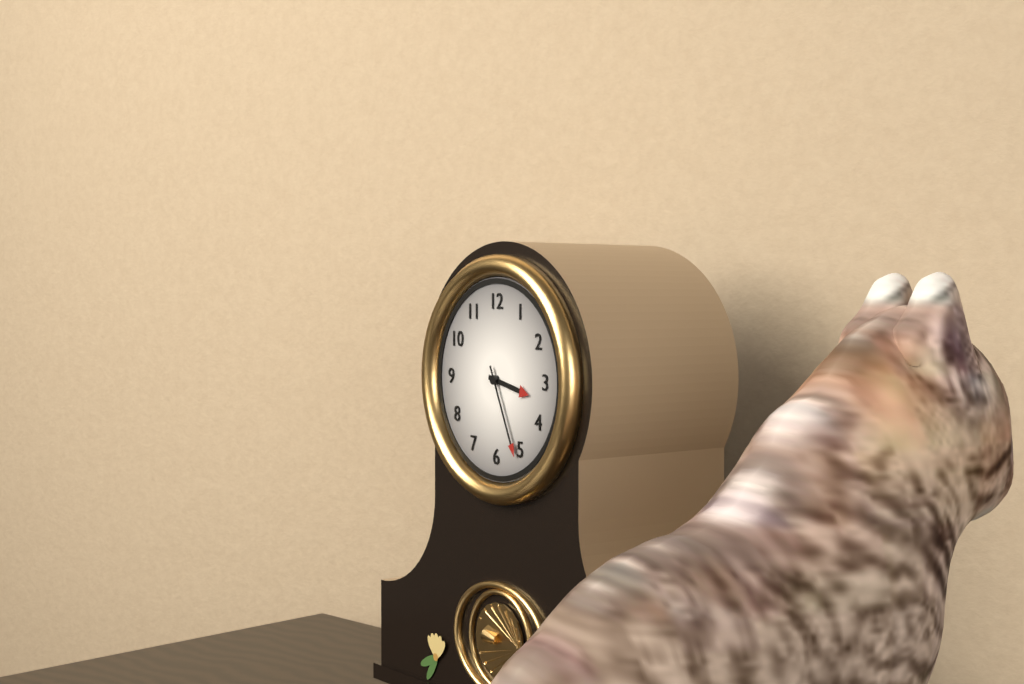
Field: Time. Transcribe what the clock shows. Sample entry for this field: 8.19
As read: 3.26
